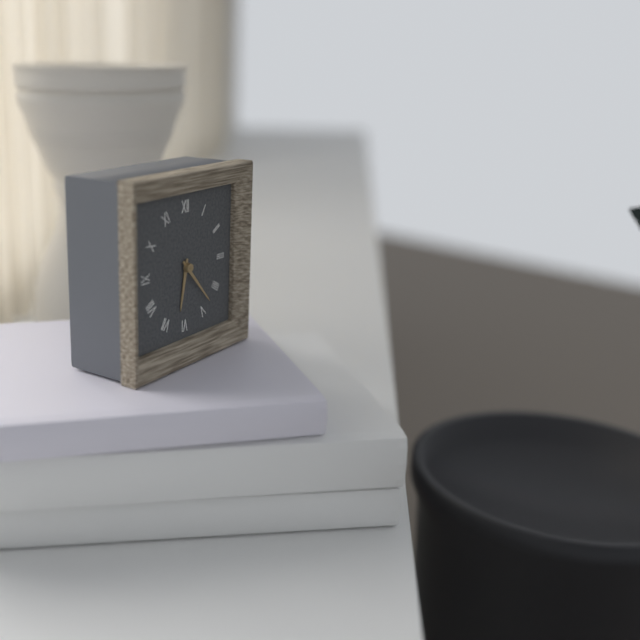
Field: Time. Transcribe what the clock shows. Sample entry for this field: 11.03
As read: 6.23
